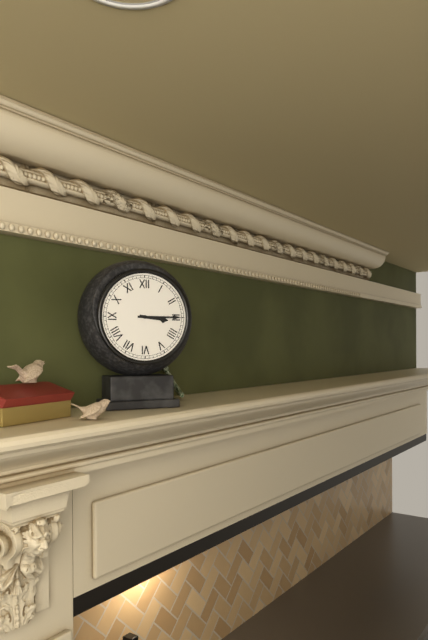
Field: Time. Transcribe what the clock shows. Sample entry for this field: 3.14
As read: 3.15
